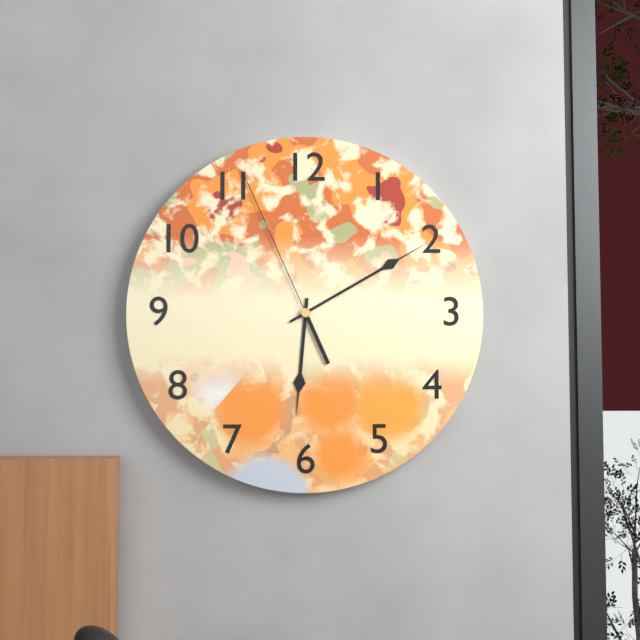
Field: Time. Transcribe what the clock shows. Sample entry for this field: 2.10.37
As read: 6.10.56
